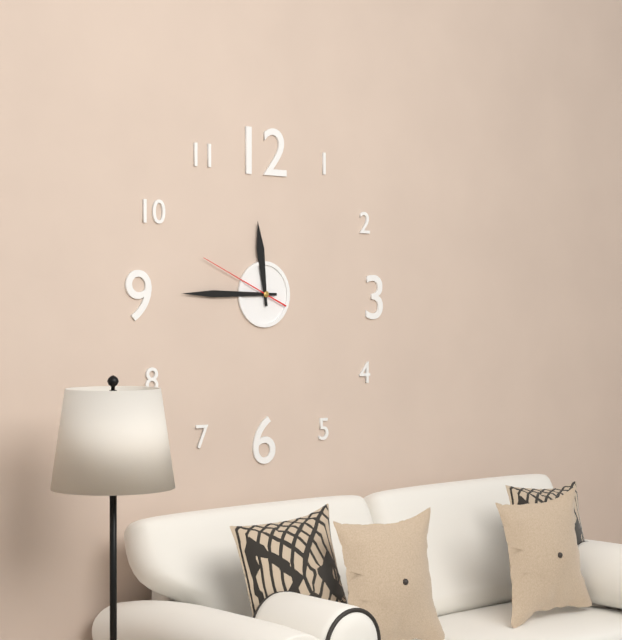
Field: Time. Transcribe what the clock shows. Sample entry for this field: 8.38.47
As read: 11.45.49
